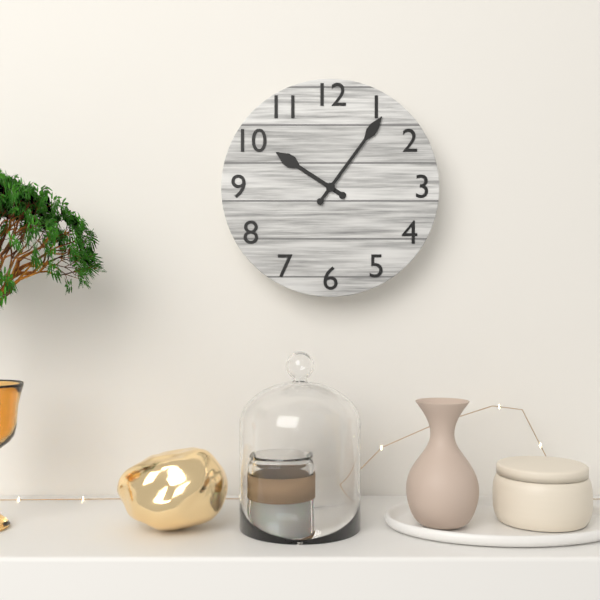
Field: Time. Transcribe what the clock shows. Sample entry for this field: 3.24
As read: 10.06
